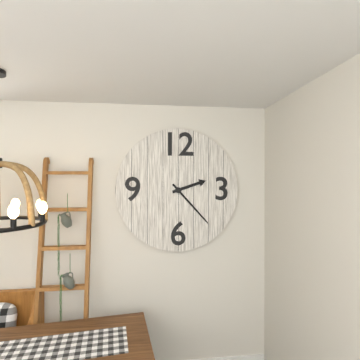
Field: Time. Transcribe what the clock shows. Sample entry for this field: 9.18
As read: 2.23
